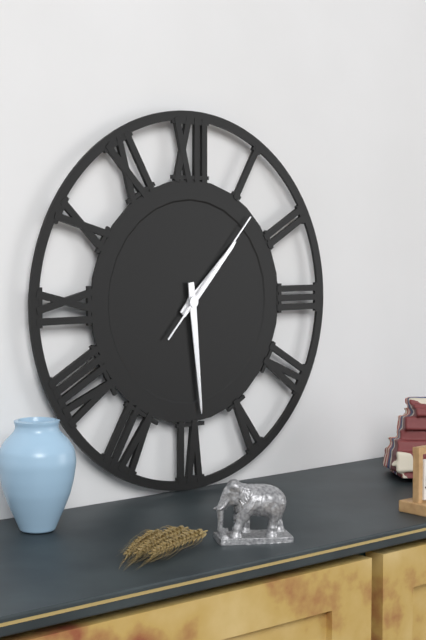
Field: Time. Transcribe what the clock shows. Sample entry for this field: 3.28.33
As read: 1.29.07
